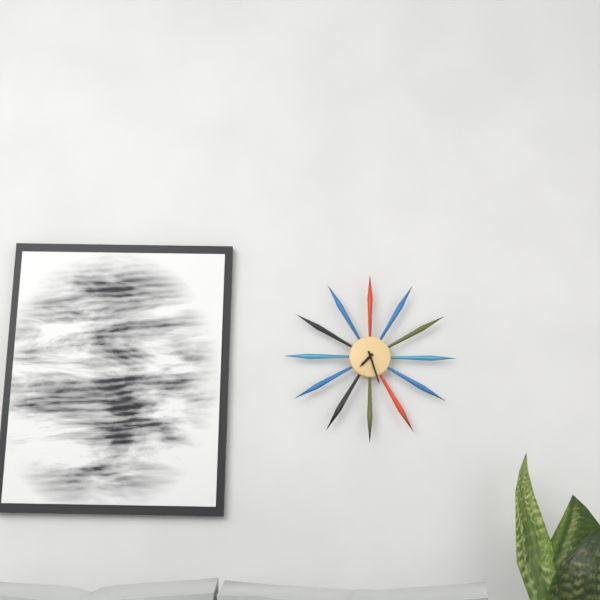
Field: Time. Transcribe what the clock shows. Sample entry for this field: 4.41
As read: 7.27
